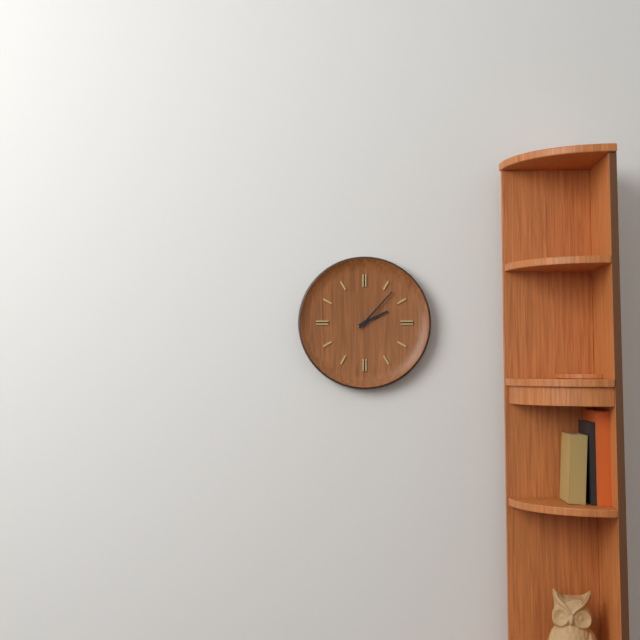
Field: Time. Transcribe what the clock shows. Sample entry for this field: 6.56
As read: 2.07
